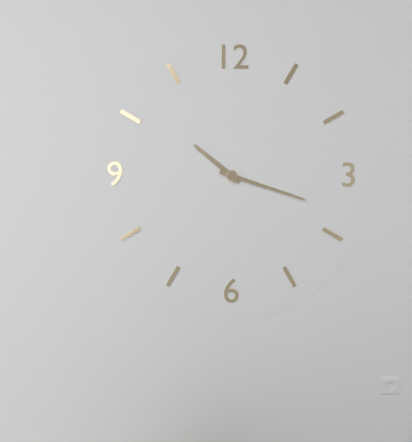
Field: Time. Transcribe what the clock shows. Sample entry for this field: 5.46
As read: 10.18
